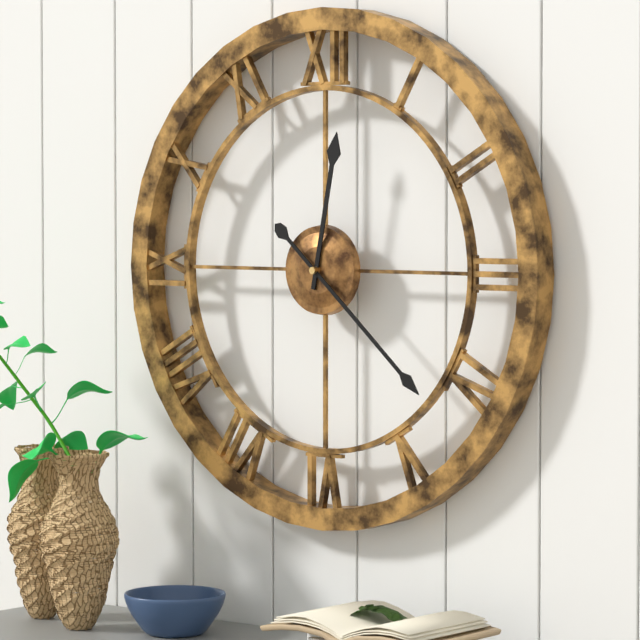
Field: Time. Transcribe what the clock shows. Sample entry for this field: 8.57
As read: 12.22
